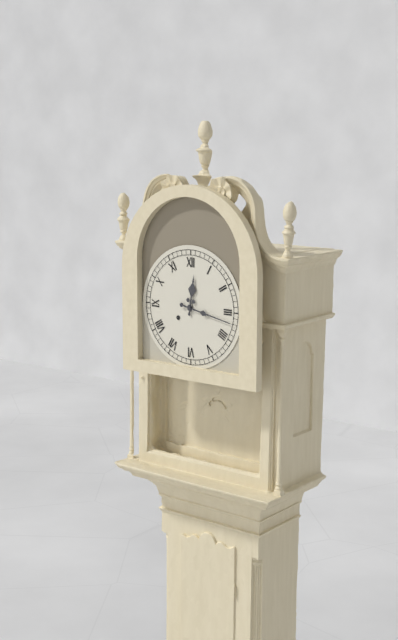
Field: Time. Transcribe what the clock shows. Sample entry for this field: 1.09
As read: 12.17
